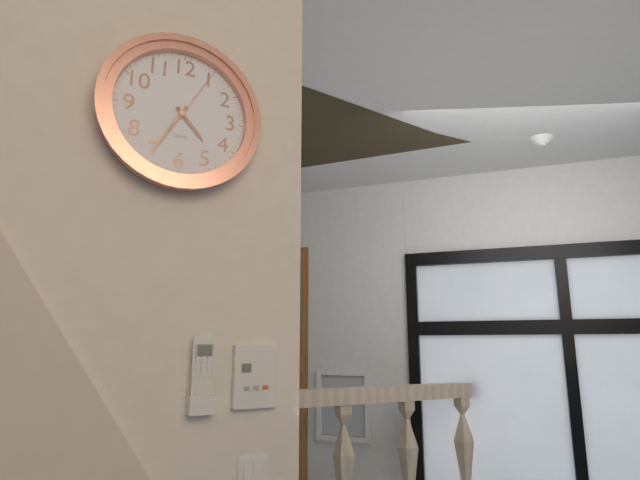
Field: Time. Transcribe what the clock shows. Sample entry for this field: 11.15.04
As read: 4.35.05
